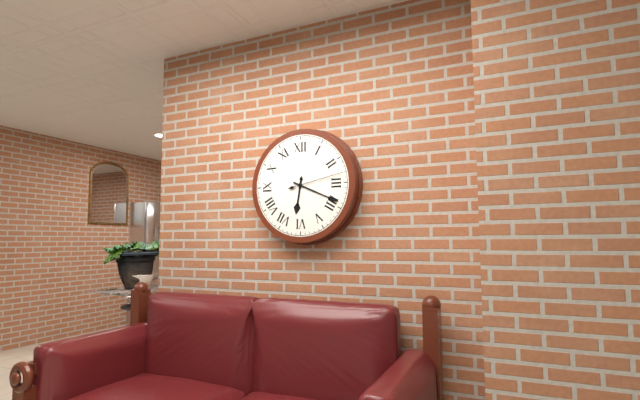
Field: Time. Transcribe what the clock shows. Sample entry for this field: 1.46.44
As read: 6.19.13
